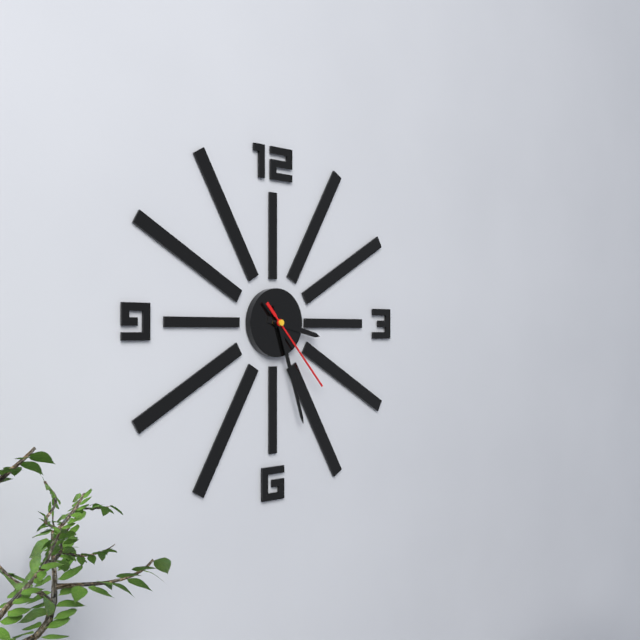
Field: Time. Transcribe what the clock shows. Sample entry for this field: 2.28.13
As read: 3.27.23
